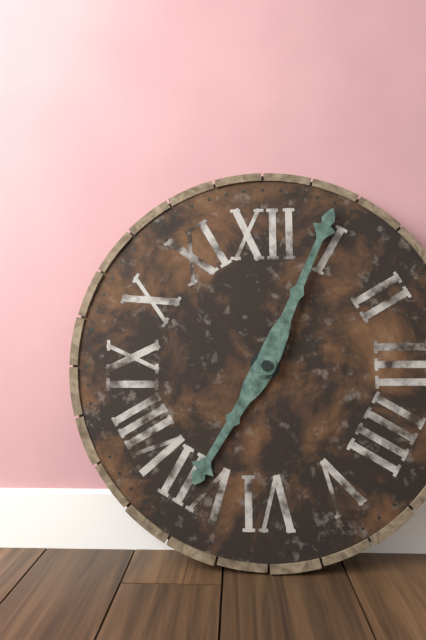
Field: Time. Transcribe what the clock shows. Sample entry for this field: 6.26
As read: 7.04
